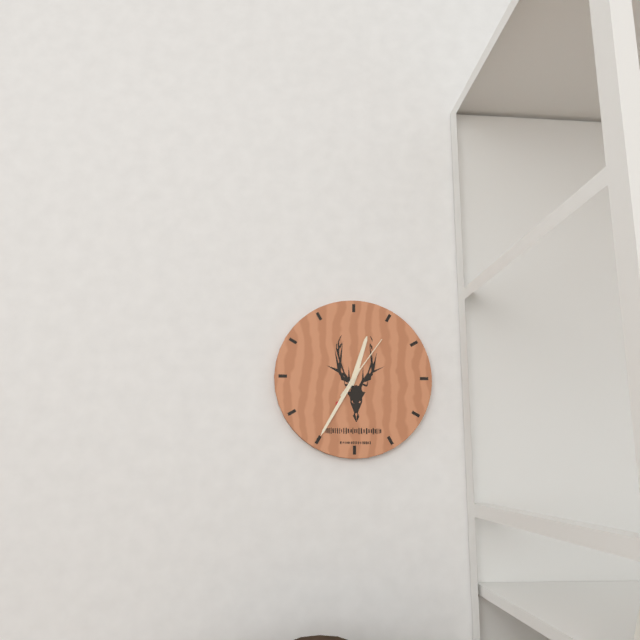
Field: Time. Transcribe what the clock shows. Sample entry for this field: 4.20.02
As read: 12.35.06
